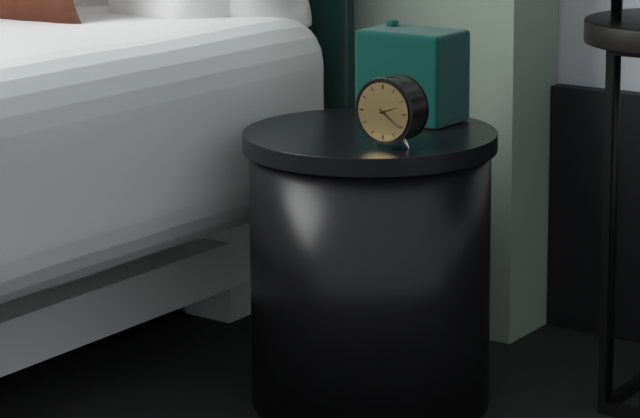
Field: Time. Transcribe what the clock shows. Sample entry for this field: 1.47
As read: 2.21
